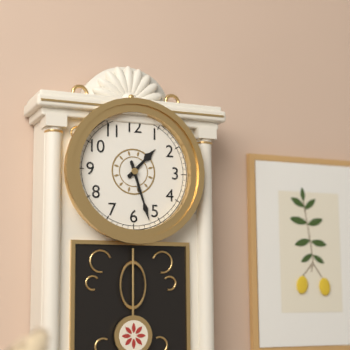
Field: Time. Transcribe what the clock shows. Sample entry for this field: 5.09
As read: 1.27
